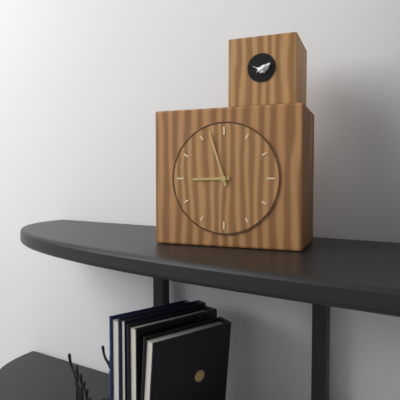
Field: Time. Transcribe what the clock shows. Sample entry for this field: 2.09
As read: 8.57
